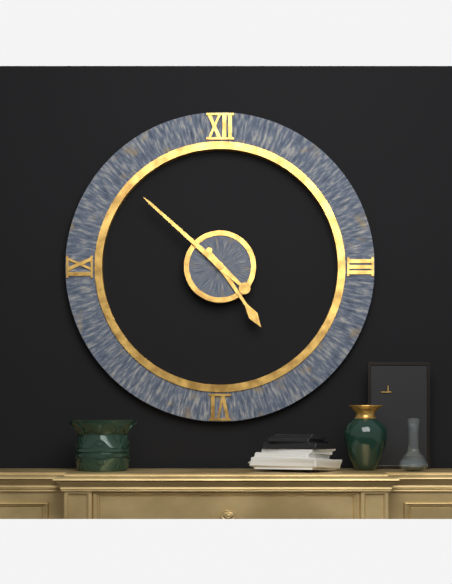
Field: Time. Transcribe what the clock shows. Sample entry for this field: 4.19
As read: 4.52
